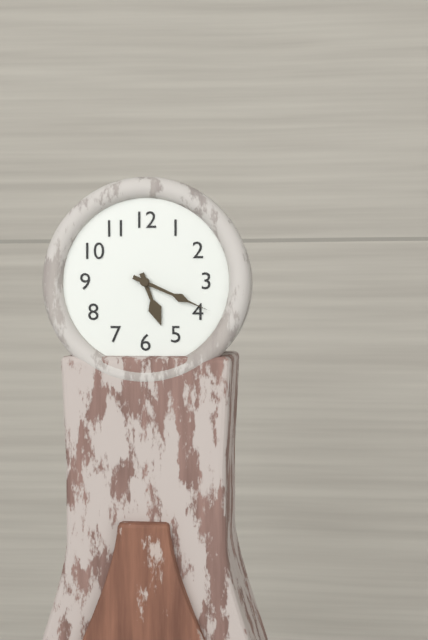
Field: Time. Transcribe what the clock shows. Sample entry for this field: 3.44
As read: 5.19
